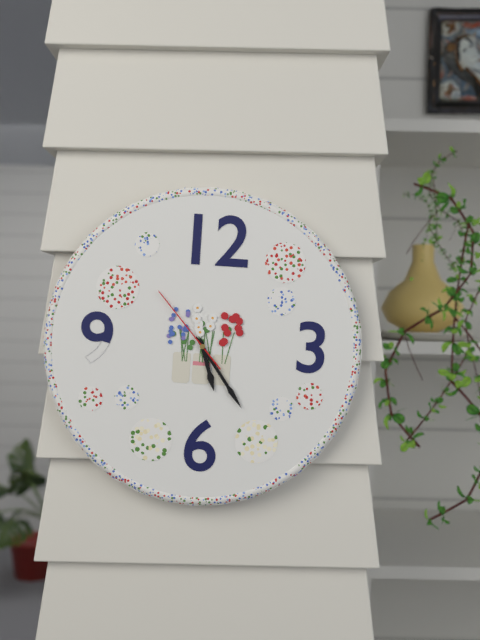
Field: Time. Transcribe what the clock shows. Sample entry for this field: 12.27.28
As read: 5.24.53
